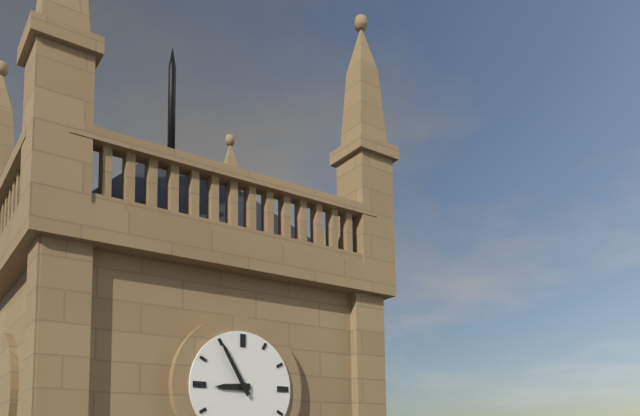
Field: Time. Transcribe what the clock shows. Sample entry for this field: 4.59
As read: 8.55
